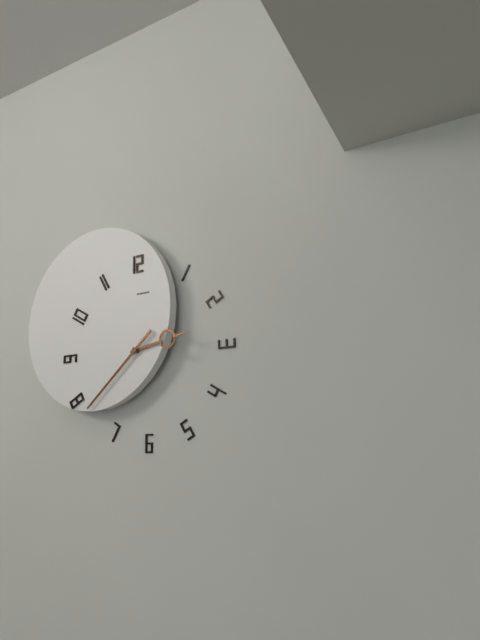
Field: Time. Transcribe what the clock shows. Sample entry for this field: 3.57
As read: 2.38
